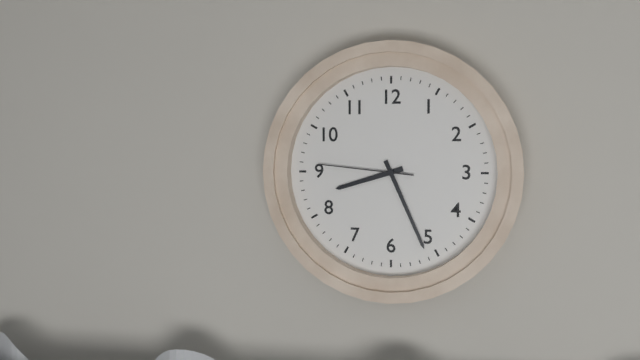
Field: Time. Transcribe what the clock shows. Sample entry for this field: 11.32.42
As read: 8.26.46
